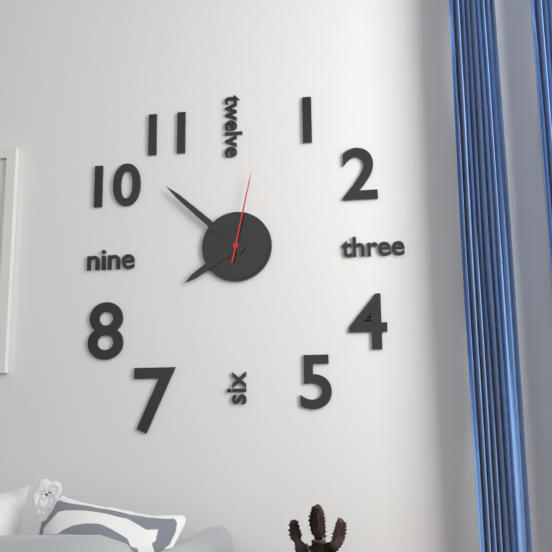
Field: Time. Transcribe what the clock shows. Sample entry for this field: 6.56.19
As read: 7.52.02
